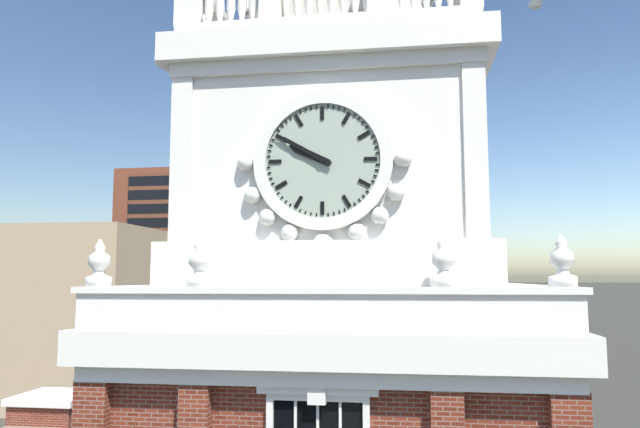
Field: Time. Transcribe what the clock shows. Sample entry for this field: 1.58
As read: 9.50
